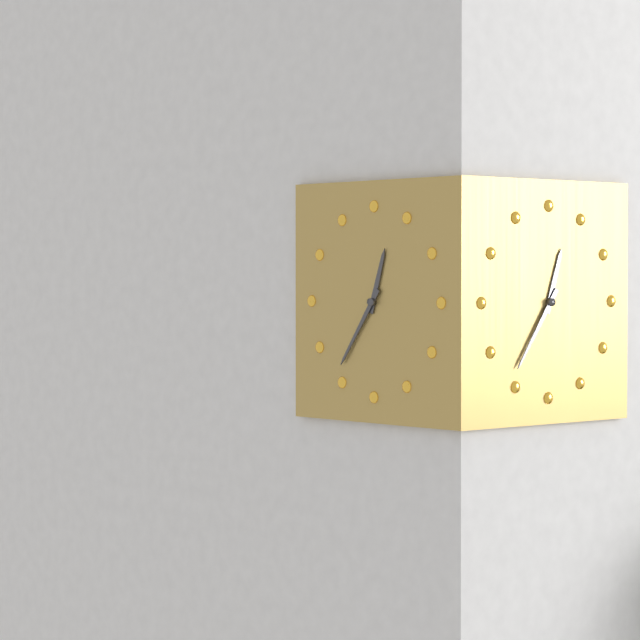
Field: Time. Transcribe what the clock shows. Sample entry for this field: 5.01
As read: 12.36
